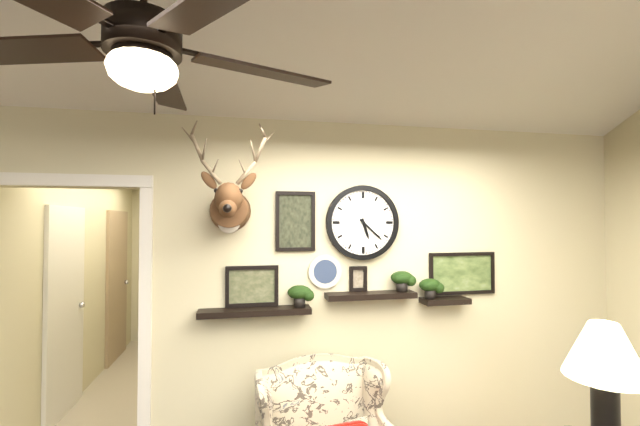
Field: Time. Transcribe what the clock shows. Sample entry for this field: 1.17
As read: 5.22
